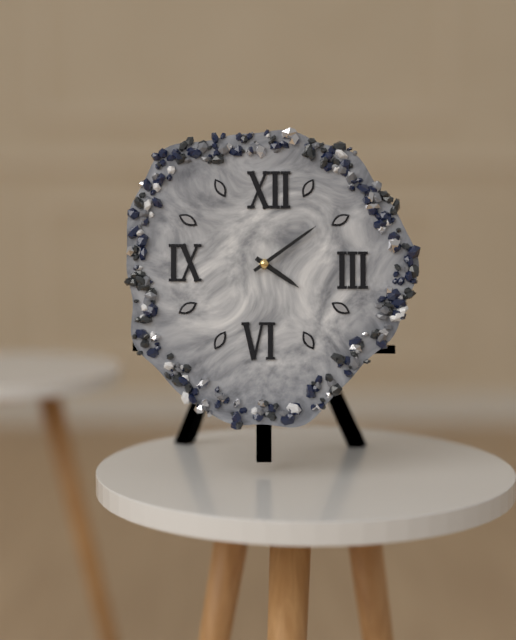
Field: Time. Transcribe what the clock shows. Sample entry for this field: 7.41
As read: 4.09
